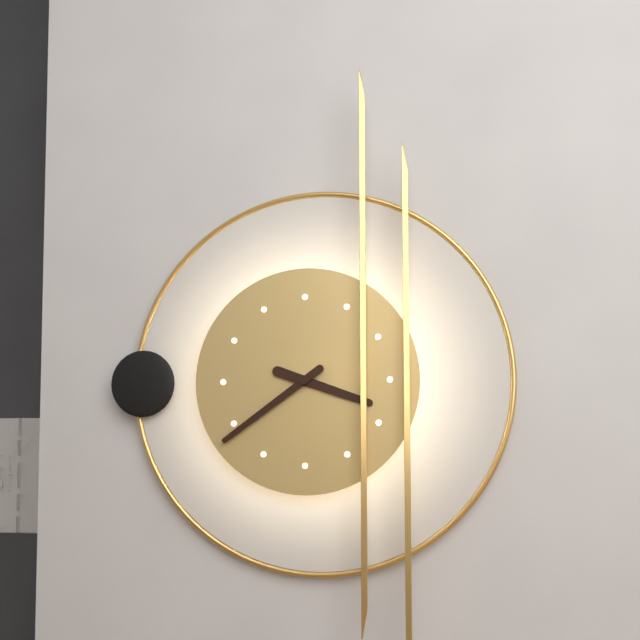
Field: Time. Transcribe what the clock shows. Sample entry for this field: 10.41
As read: 3.39
